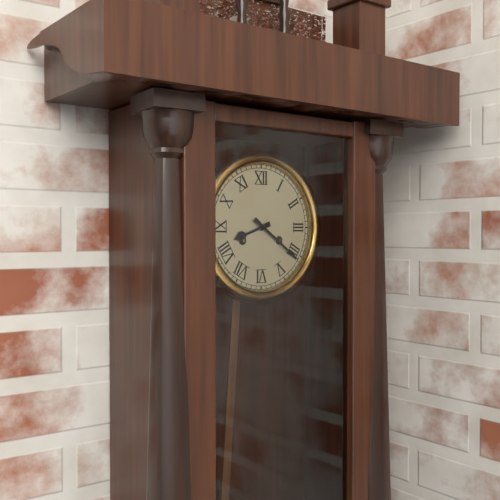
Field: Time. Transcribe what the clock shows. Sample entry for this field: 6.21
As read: 8.21
